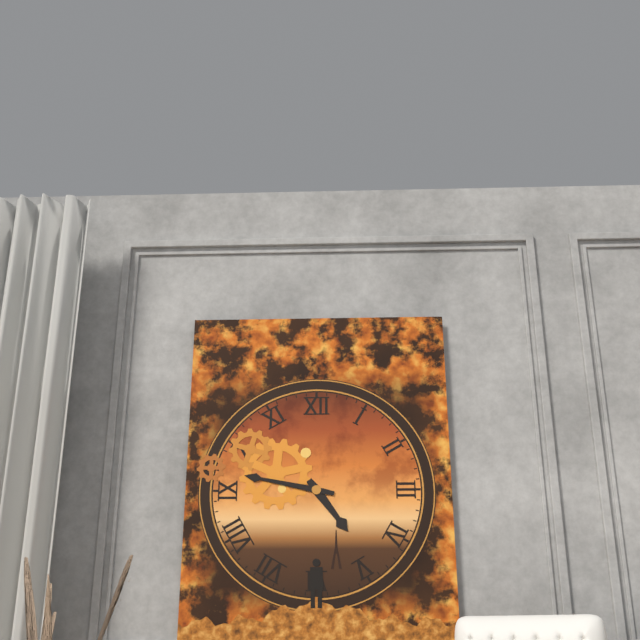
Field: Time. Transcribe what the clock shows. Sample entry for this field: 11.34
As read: 4.47
